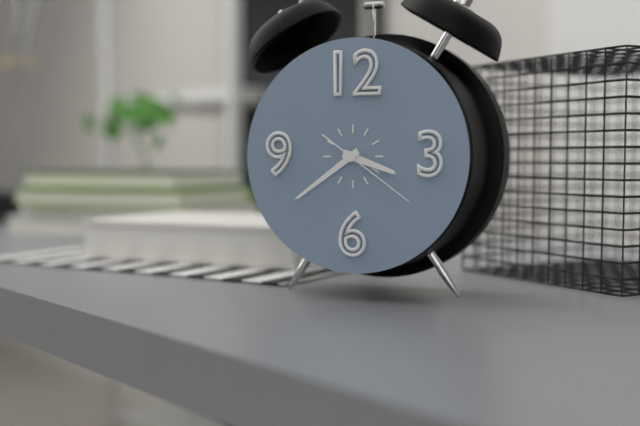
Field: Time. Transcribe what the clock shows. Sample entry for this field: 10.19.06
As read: 3.39.21
